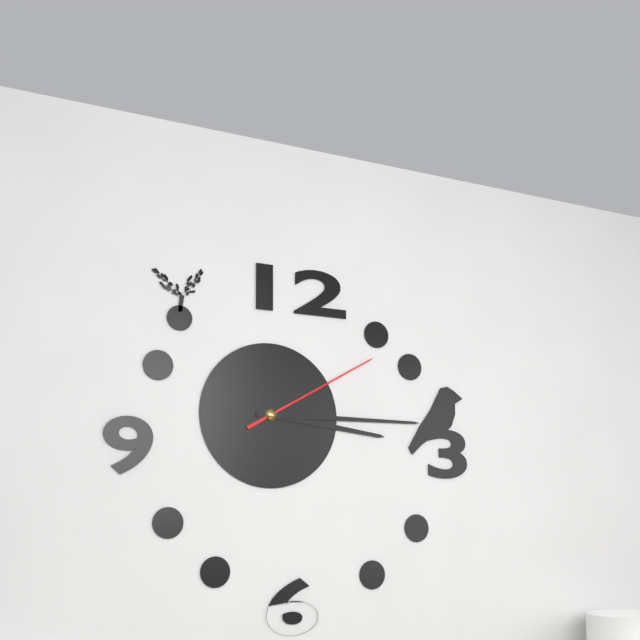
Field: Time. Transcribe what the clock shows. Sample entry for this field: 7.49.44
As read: 3.15.10
